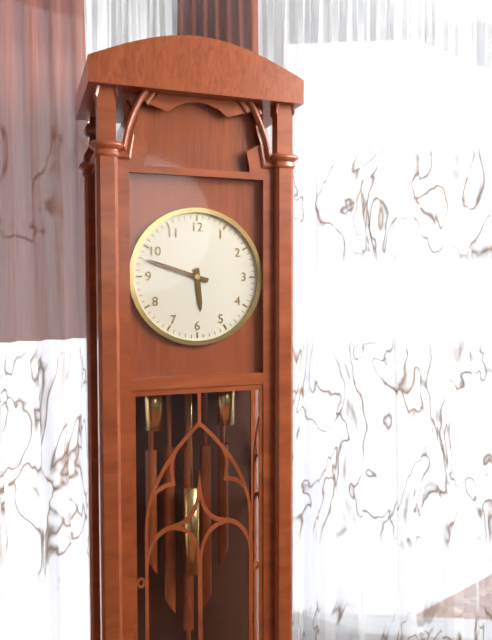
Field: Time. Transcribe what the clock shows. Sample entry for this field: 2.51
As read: 5.48
